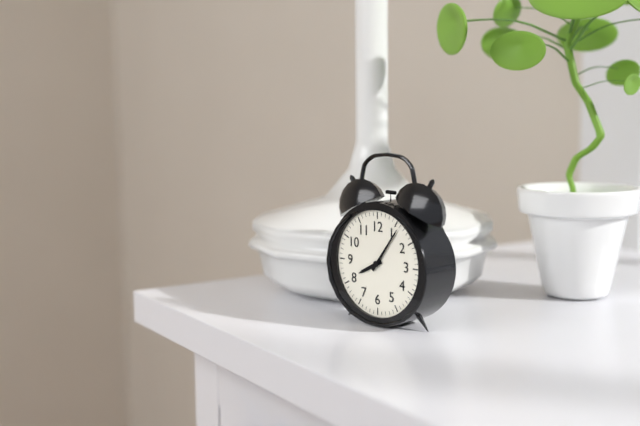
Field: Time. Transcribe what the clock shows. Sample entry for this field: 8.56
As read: 8.06
